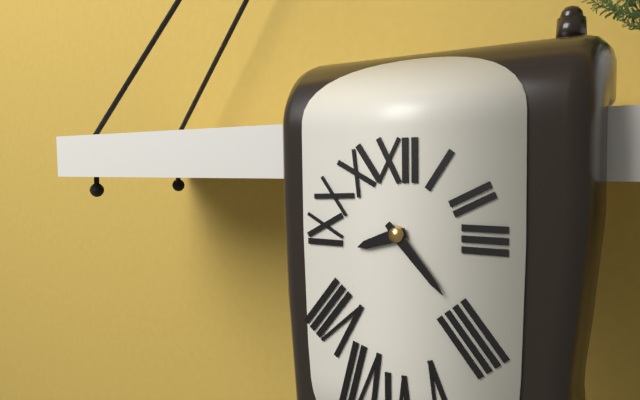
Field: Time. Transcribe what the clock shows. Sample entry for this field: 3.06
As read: 8.23
